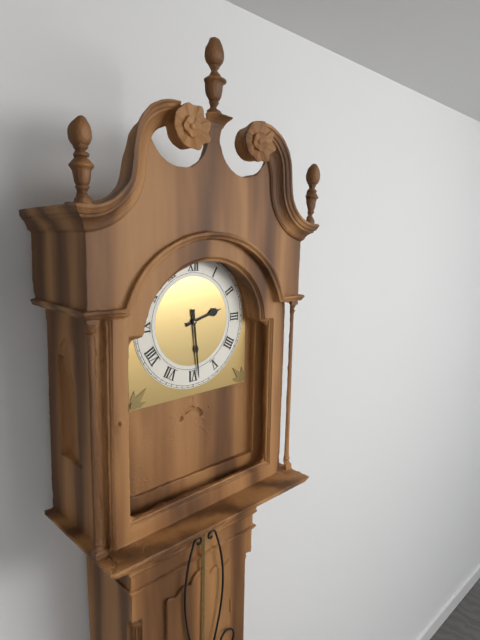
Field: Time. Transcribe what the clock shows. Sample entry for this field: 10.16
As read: 2.29
